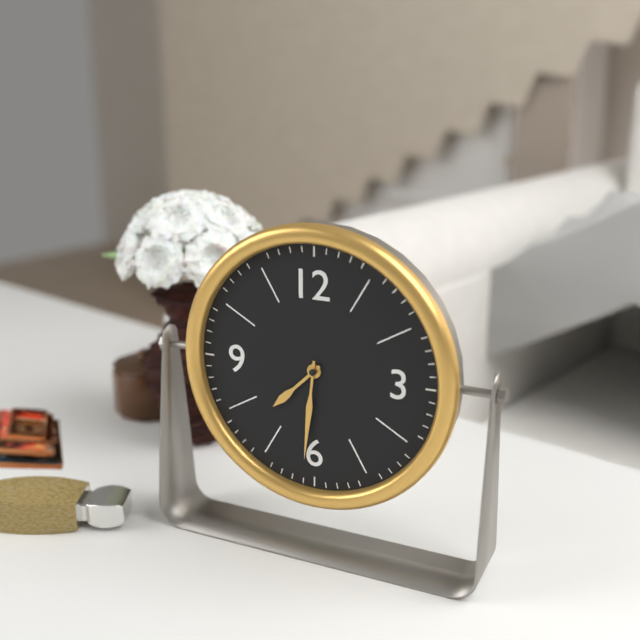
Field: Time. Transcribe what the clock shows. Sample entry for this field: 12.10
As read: 7.31
